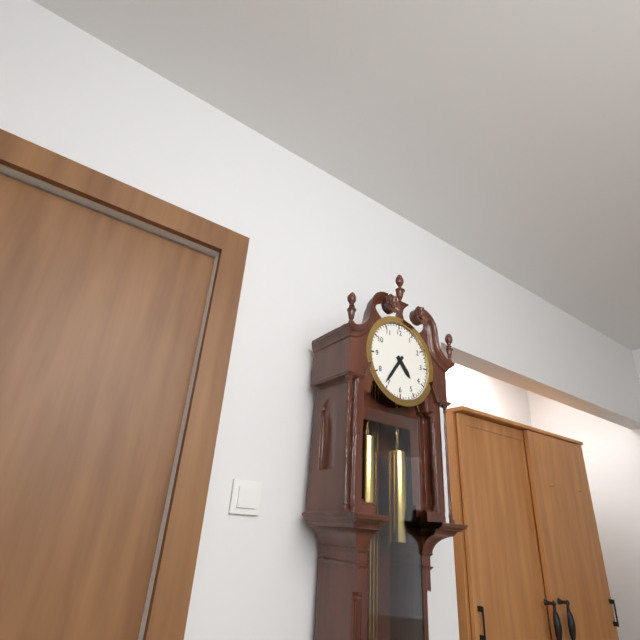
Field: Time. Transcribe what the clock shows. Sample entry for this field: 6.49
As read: 4.36
